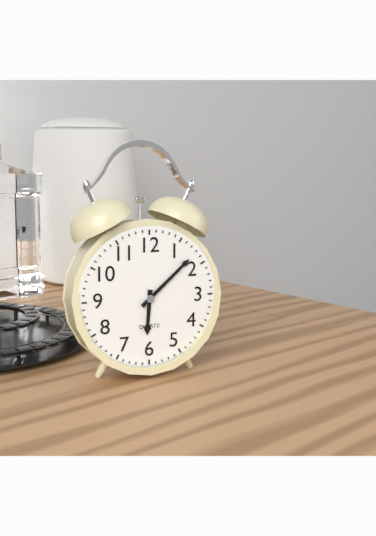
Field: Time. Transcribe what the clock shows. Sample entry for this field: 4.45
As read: 6.08
